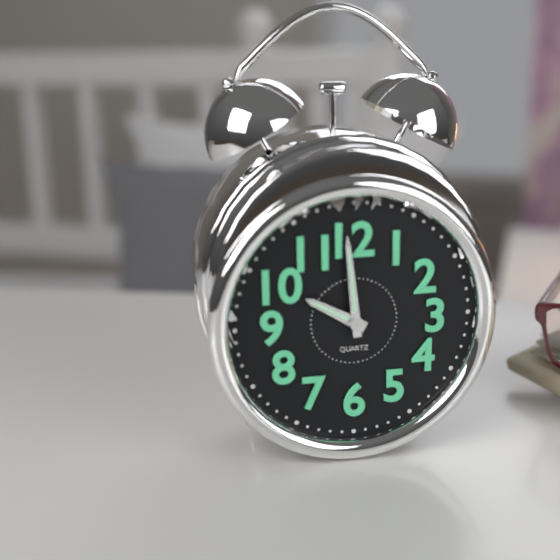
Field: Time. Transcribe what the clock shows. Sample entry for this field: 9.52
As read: 9.59
